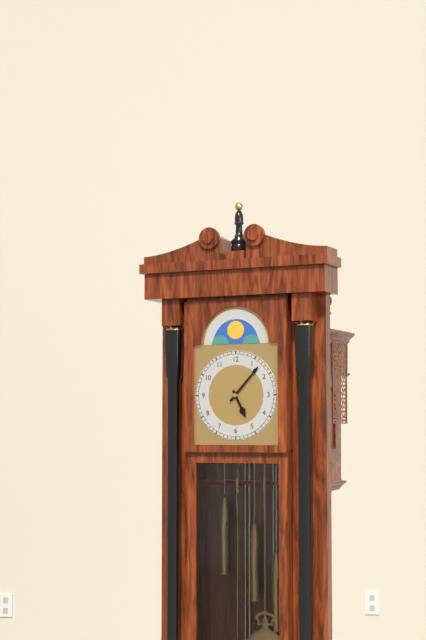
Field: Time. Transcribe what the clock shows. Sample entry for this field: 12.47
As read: 5.07
